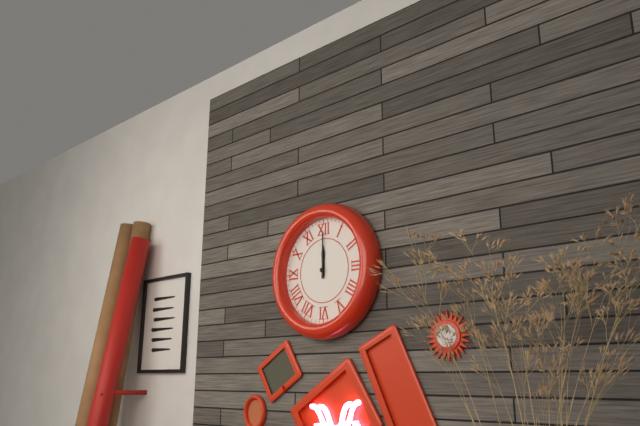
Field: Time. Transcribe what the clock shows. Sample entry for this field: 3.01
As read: 12.00
